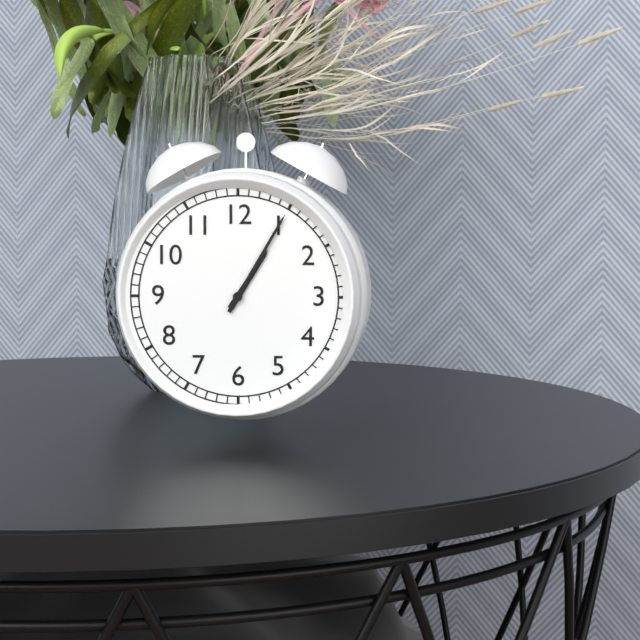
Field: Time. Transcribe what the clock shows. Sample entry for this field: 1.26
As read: 1.05
